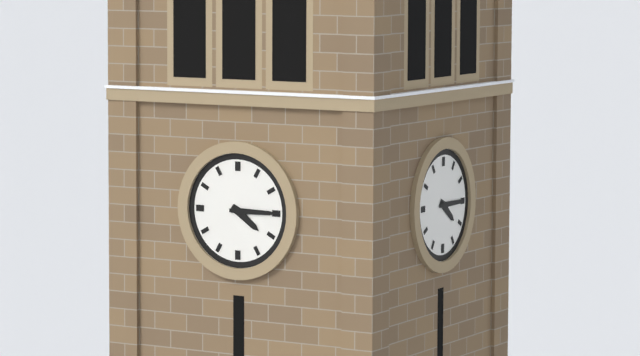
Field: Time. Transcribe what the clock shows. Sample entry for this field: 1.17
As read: 4.15
